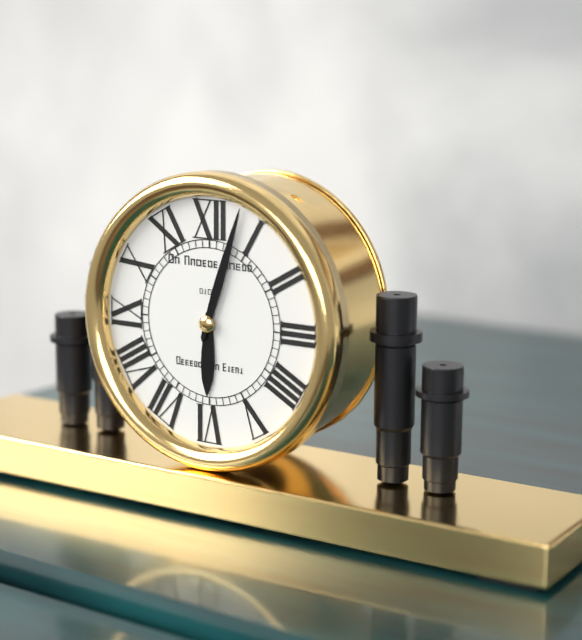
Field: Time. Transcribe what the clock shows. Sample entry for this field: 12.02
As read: 6.03
